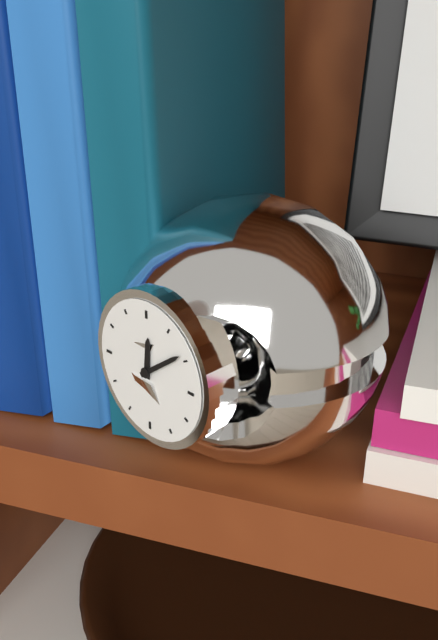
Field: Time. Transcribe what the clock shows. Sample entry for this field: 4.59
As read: 12.09
